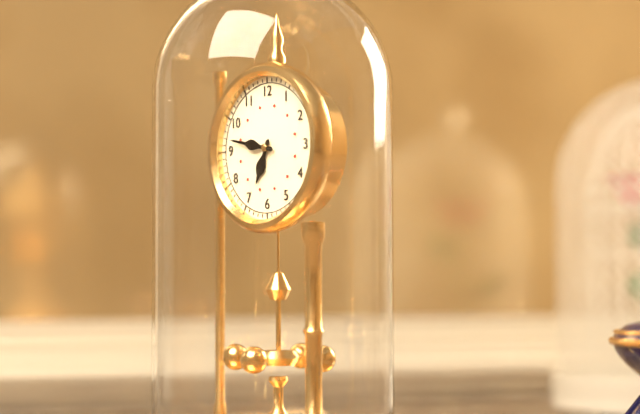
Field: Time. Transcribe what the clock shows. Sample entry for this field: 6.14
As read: 6.47
